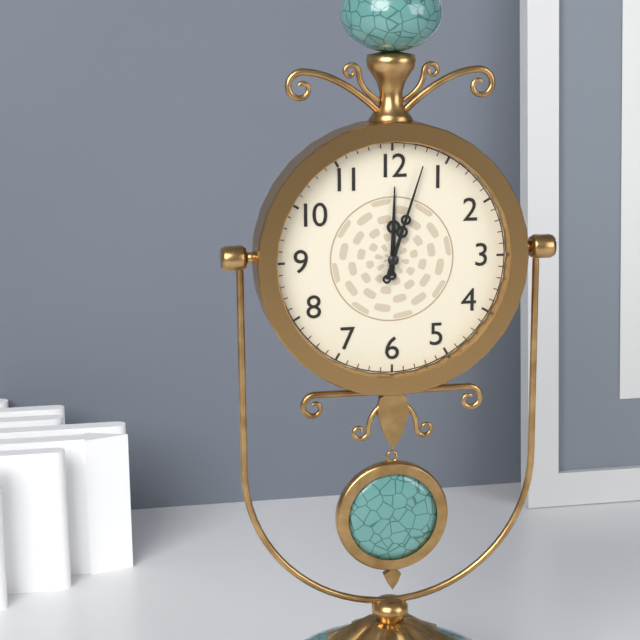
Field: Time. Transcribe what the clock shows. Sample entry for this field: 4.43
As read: 12.03
